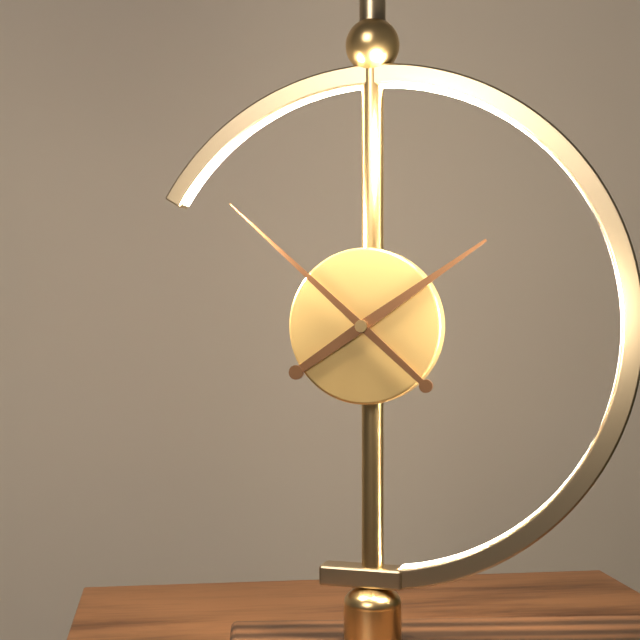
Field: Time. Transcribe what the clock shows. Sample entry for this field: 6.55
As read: 1.52
